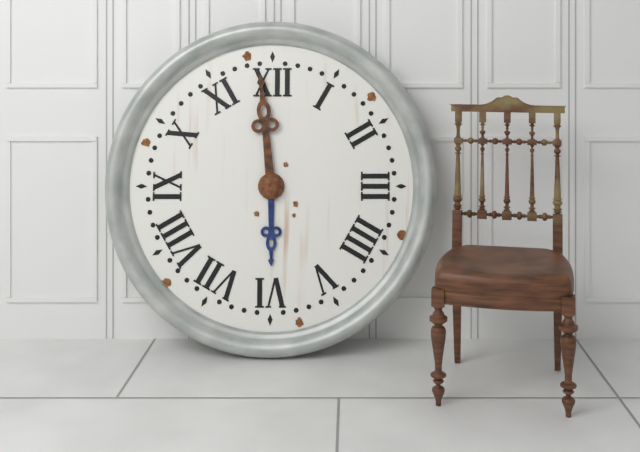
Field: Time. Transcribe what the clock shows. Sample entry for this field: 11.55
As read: 5.59
